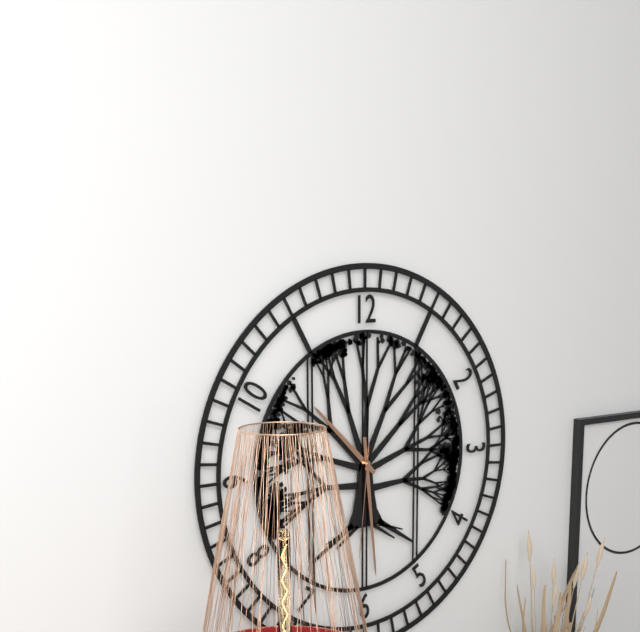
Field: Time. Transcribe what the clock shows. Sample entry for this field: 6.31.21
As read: 10.29.31
